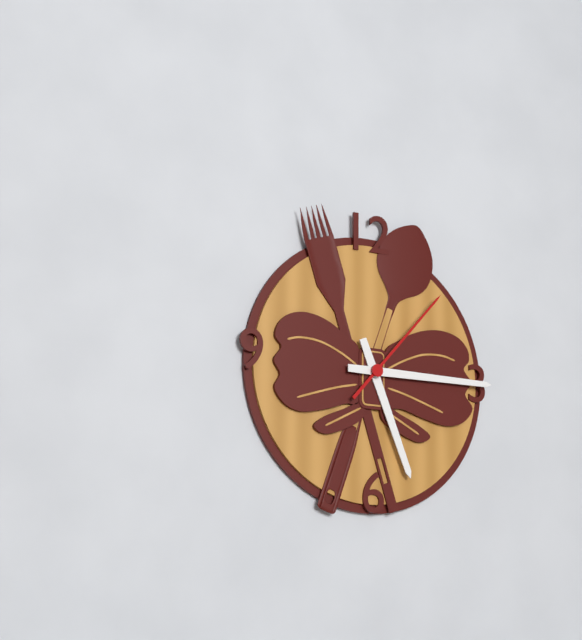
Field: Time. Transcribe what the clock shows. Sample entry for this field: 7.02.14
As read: 5.15.07
